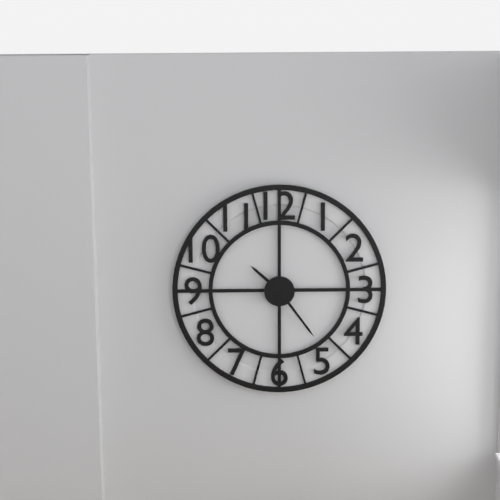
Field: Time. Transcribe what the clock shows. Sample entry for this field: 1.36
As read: 10.24
